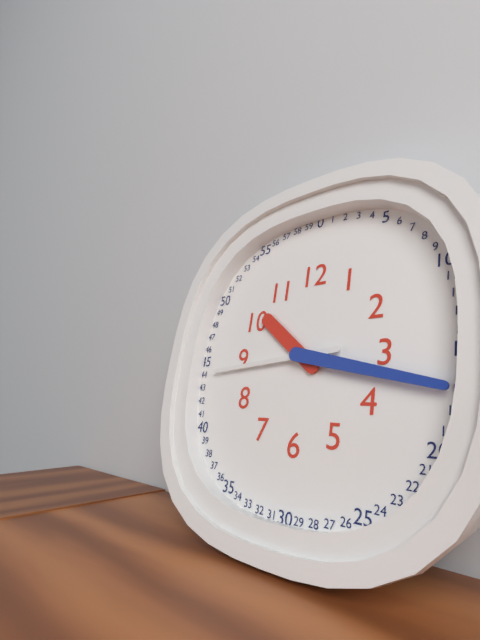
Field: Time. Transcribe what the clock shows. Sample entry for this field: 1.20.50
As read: 10.17.44
